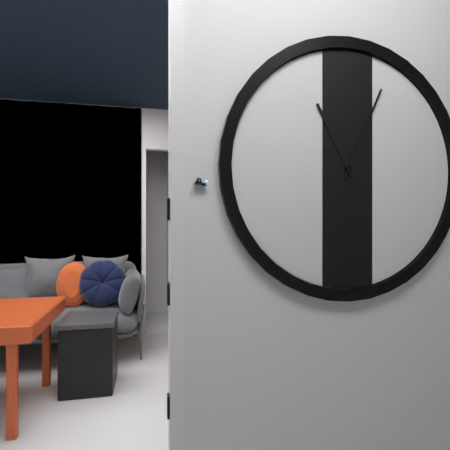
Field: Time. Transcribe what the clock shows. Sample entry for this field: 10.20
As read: 11.04
